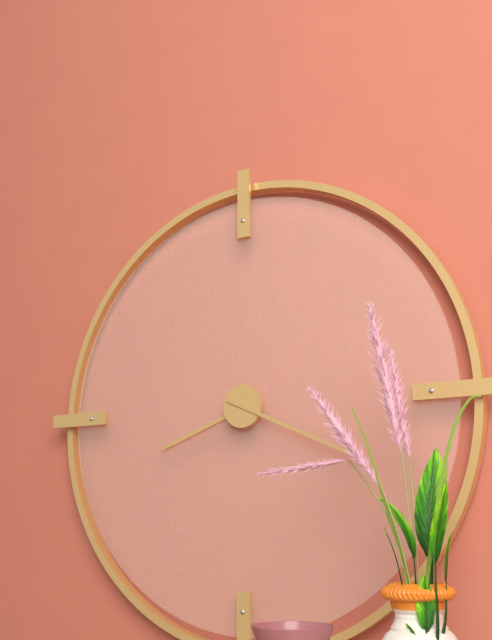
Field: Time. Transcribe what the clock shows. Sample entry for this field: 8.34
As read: 8.19
